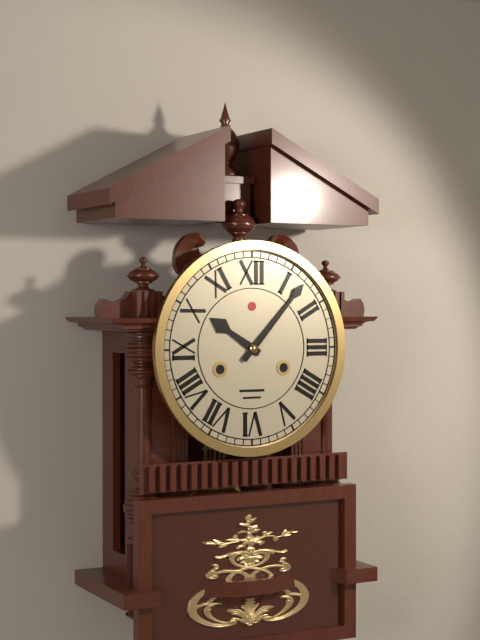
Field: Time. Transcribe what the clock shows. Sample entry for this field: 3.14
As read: 10.07
